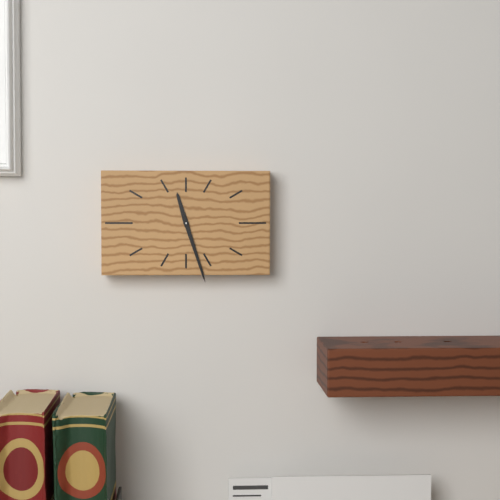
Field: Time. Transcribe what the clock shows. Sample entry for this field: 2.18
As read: 11.27
